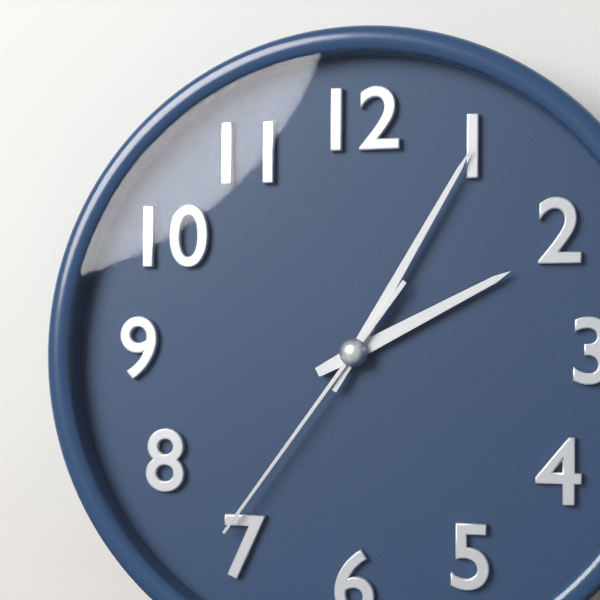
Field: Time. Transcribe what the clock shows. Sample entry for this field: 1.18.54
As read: 2.05.36
